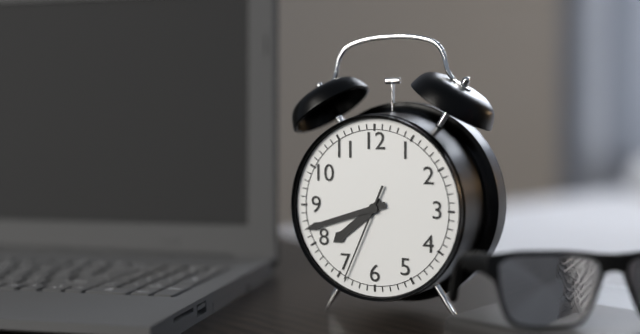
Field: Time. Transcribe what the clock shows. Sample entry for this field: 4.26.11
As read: 7.42.34
